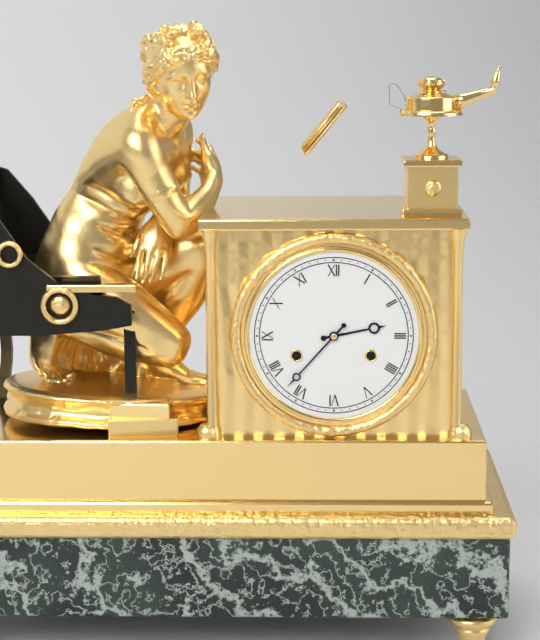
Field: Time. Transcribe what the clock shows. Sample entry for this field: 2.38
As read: 2.37
